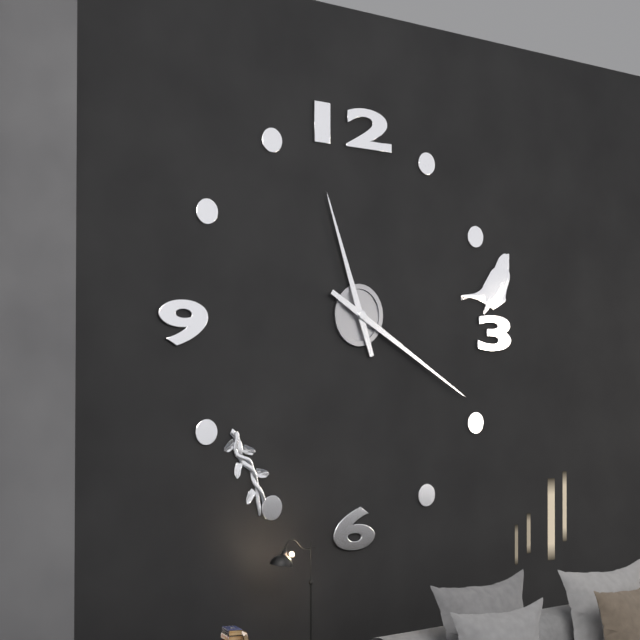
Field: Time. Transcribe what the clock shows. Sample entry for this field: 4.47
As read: 11.20
